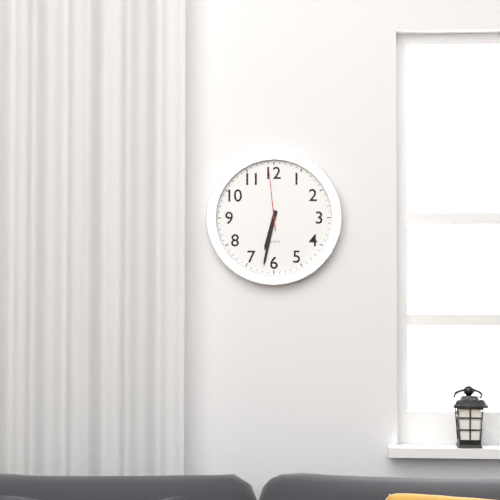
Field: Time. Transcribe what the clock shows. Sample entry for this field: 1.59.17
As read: 6.32.59
